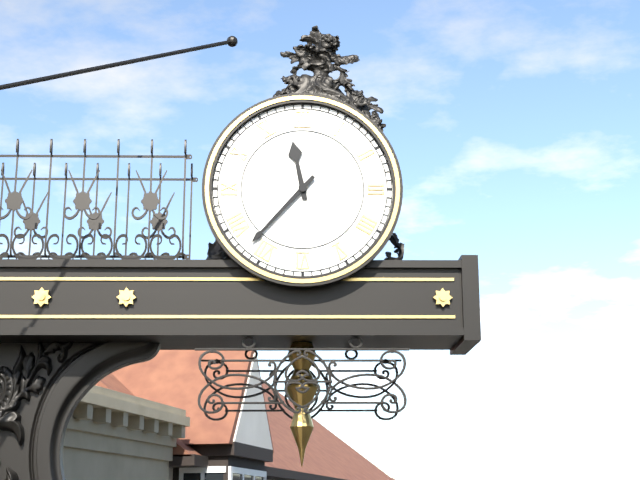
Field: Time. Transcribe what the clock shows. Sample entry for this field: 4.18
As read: 11.37
